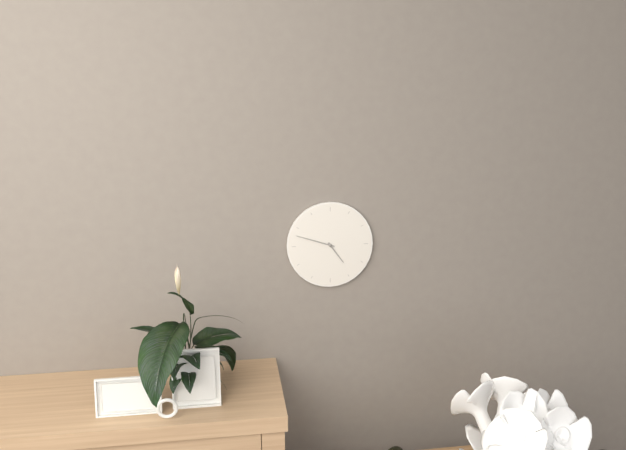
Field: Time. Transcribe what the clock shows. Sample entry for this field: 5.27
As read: 4.48
